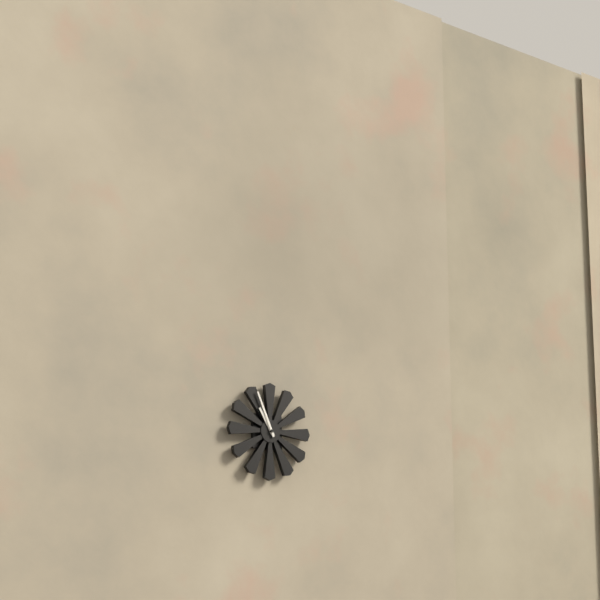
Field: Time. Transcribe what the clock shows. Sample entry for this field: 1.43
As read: 10.56
